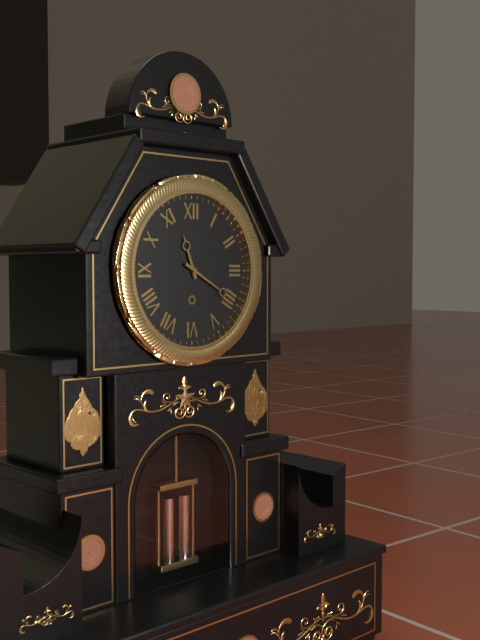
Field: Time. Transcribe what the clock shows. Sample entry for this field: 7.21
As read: 11.20
